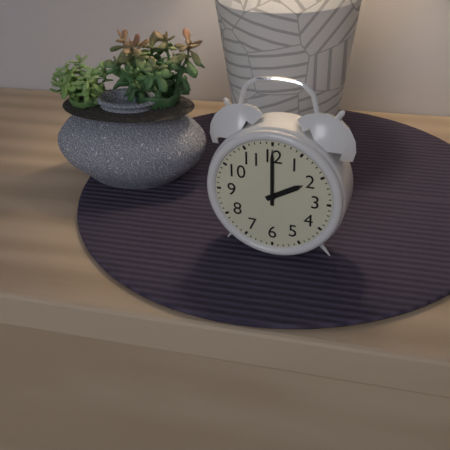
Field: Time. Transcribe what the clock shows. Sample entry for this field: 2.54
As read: 2.00
